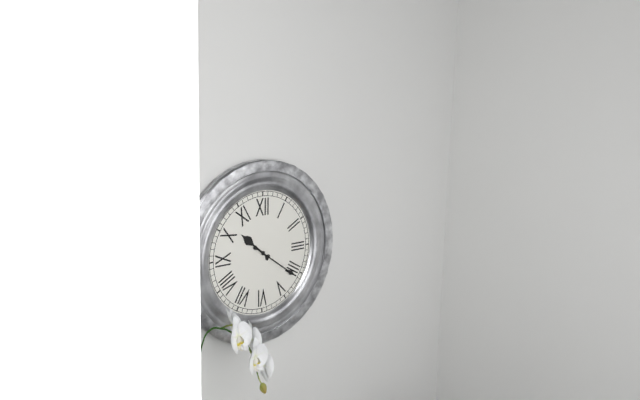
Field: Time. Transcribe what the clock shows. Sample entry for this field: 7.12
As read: 10.21
